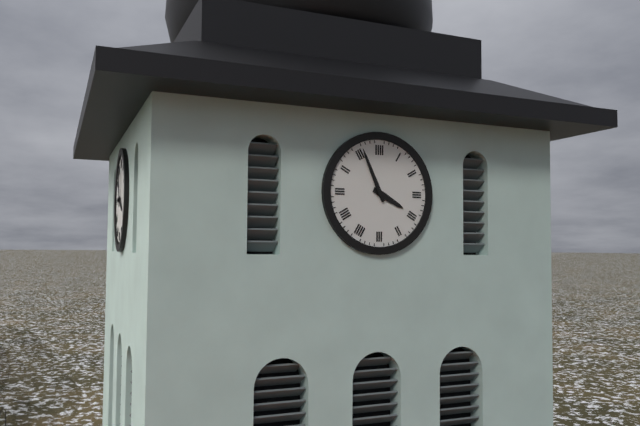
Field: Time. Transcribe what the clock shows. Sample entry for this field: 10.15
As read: 3.56
